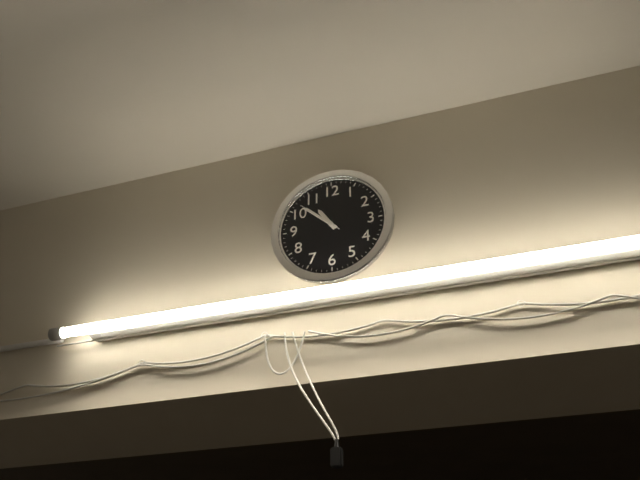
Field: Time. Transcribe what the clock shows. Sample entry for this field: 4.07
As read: 10.52
